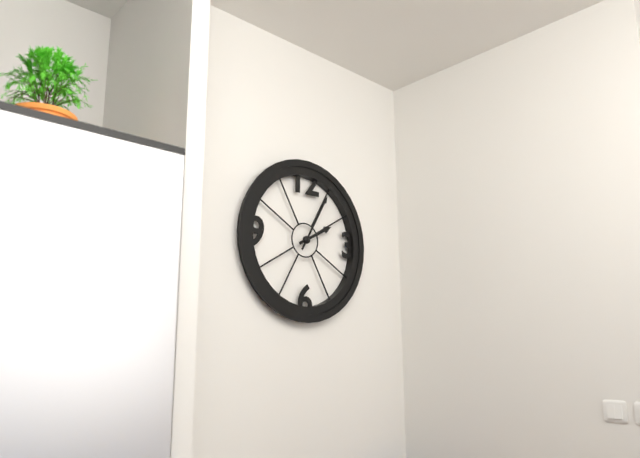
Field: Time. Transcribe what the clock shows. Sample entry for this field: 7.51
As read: 2.05
